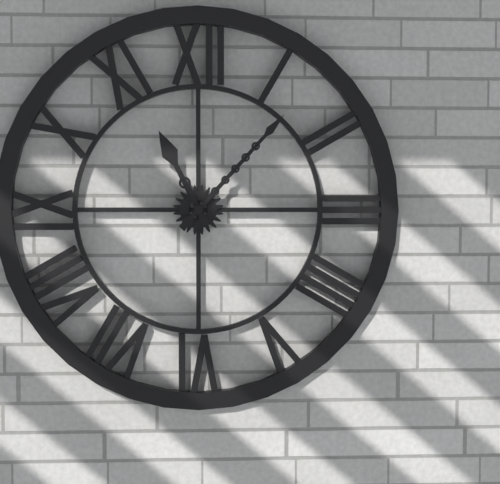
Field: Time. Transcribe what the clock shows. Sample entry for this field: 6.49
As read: 11.07
